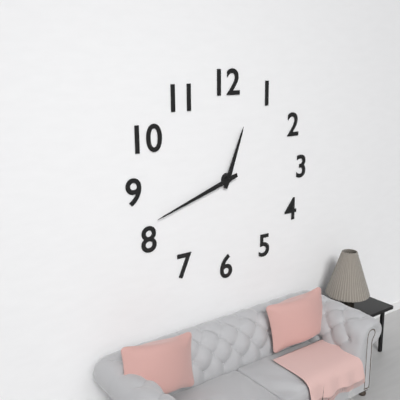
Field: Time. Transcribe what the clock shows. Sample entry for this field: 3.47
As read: 12.42
